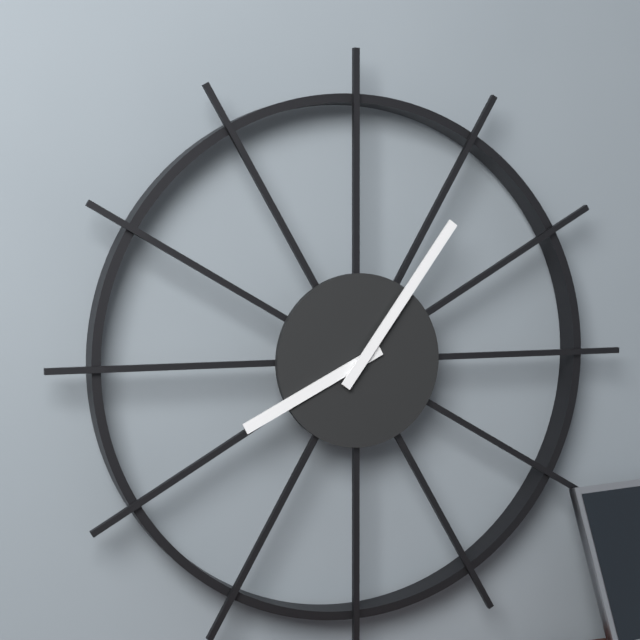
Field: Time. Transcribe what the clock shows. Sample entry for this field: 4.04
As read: 8.06
